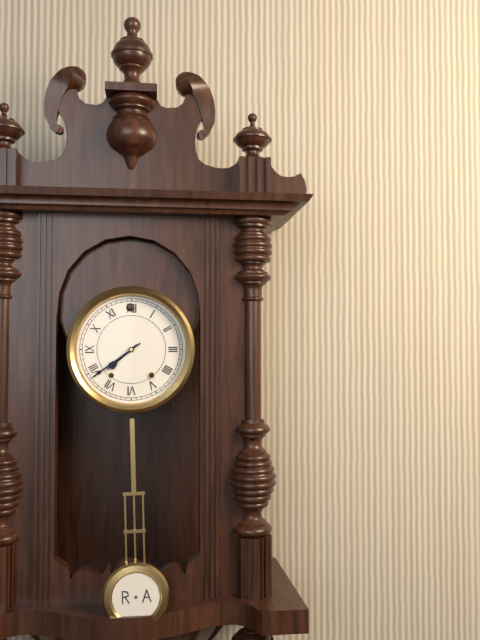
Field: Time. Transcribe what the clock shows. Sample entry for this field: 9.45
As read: 7.39
